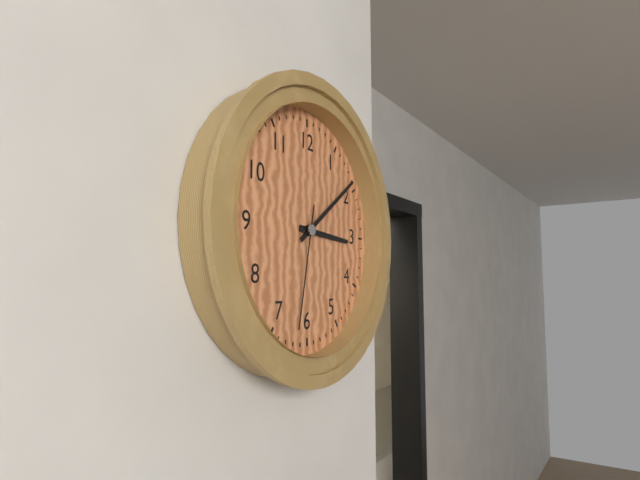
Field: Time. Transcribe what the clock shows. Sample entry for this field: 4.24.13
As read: 3.09.32
